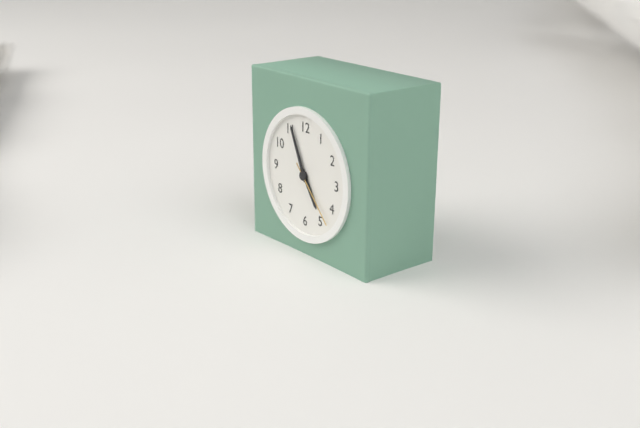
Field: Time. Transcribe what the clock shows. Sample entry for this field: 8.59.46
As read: 4.56.23
